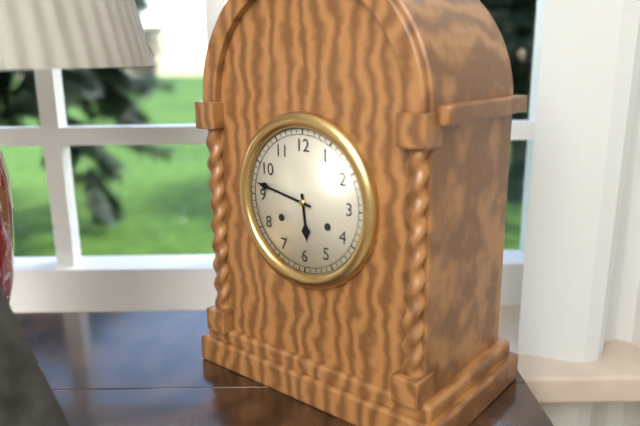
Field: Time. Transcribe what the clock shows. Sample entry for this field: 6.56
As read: 5.47
